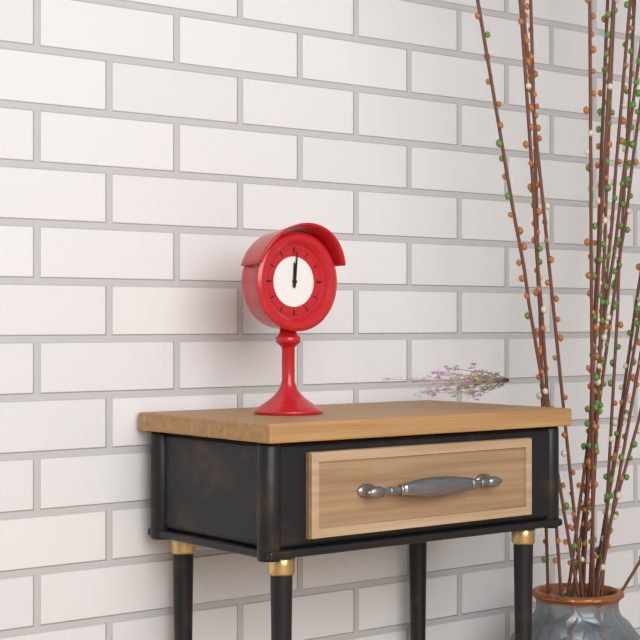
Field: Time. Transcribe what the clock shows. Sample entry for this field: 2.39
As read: 12.01
